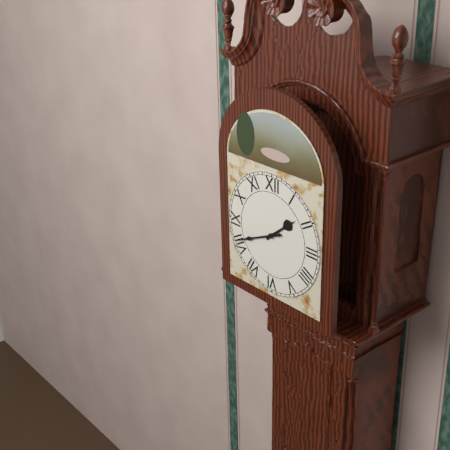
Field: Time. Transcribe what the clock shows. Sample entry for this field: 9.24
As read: 1.41
